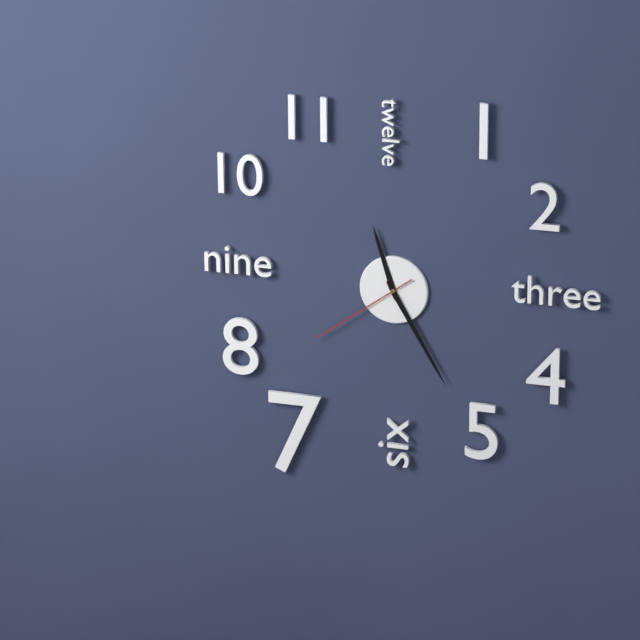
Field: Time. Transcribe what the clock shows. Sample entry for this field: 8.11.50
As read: 11.25.39
